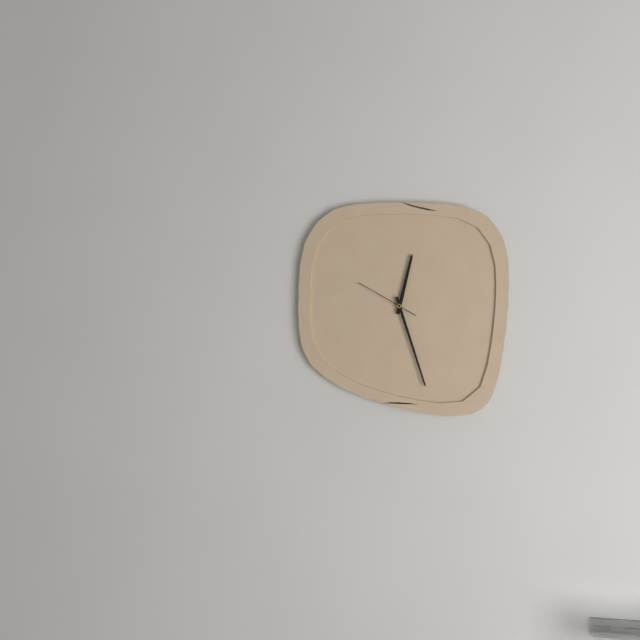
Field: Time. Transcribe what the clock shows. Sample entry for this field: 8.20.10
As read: 12.27.50
